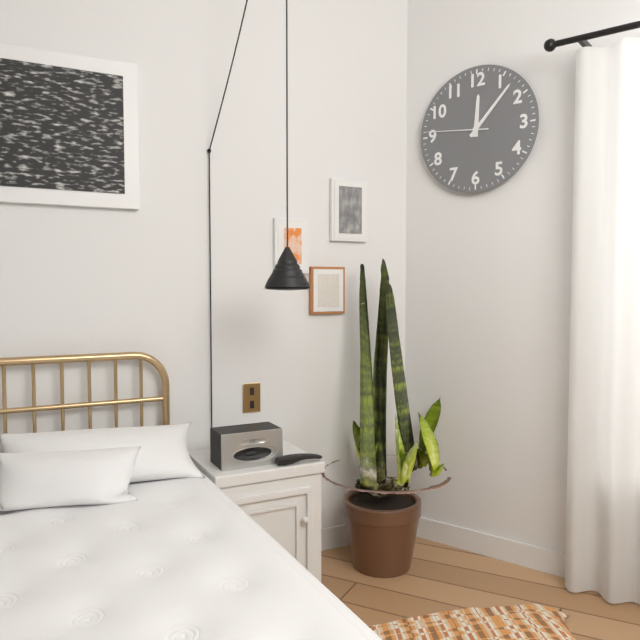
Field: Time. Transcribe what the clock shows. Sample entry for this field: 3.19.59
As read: 12.07.46
